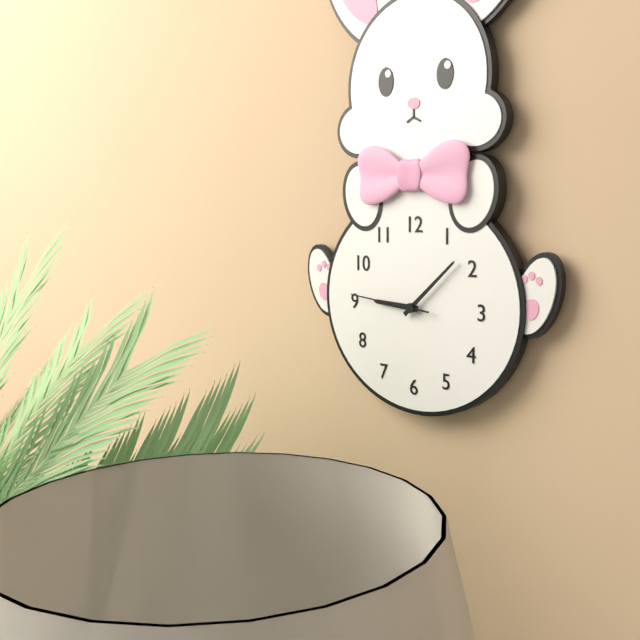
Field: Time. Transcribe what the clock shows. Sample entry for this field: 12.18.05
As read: 9.08.46
